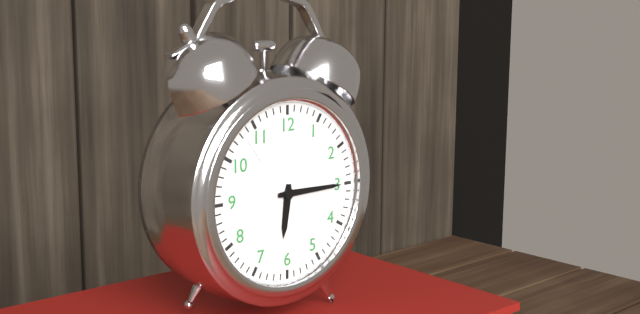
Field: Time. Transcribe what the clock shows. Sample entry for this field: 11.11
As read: 6.15
